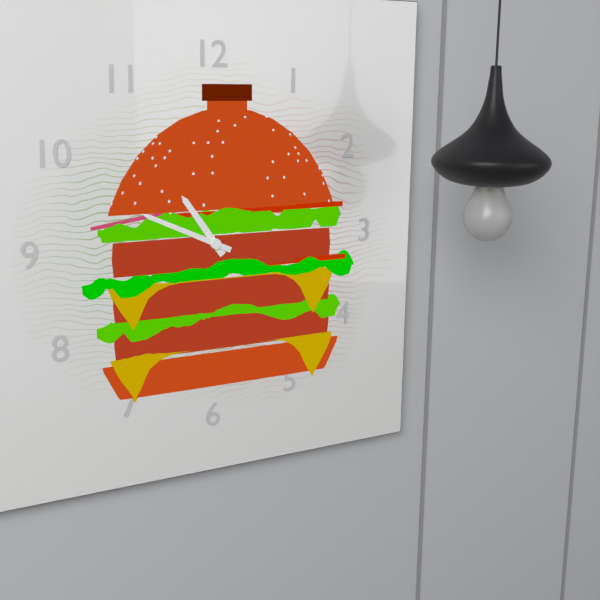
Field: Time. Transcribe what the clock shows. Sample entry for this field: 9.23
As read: 10.49
